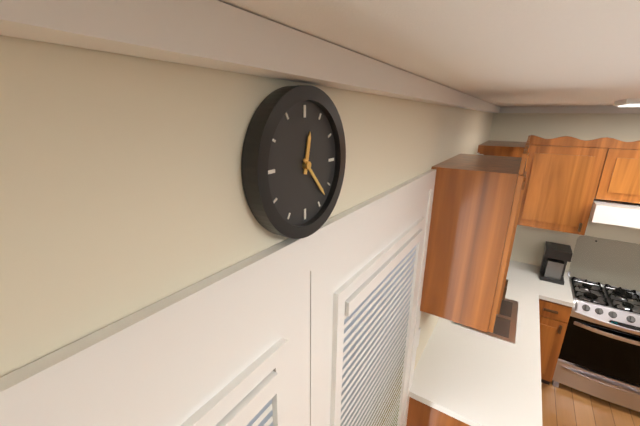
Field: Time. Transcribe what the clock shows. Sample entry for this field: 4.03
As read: 12.23
